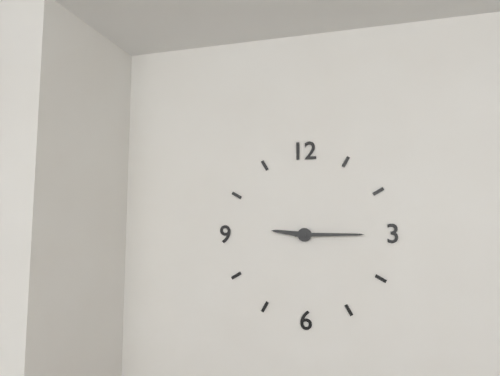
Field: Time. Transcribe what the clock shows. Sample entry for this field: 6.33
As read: 9.15
